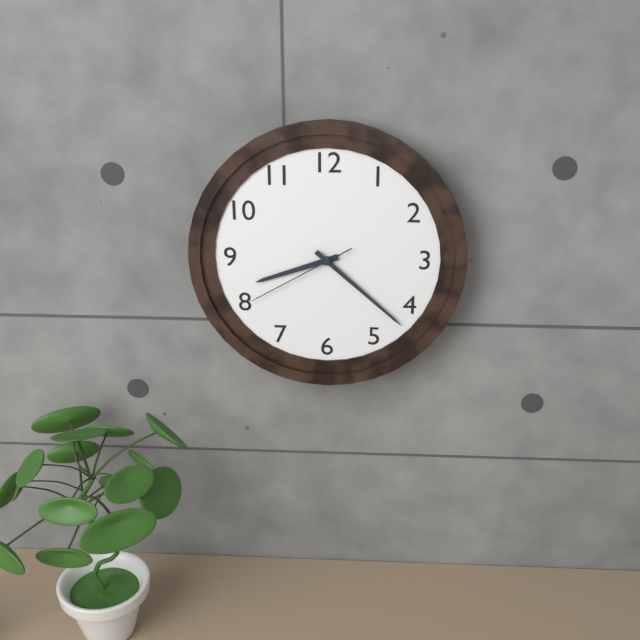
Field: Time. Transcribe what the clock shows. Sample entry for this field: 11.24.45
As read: 8.22.40
